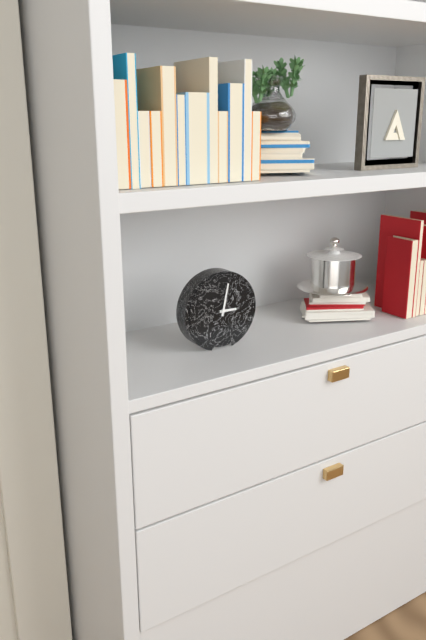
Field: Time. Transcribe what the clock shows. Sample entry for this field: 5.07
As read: 3.02
